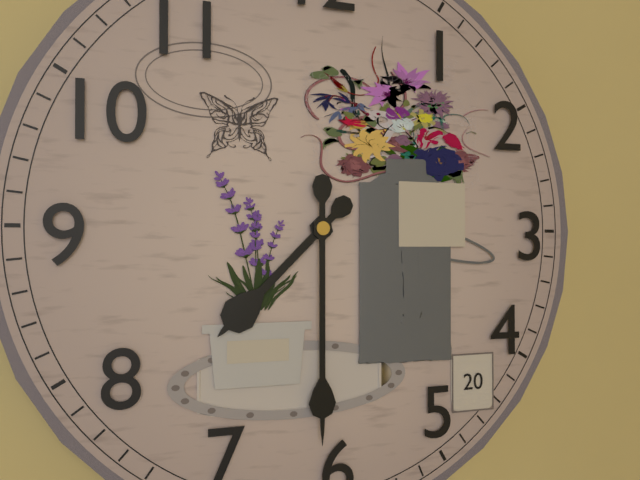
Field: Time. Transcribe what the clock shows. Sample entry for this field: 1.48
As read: 7.30
